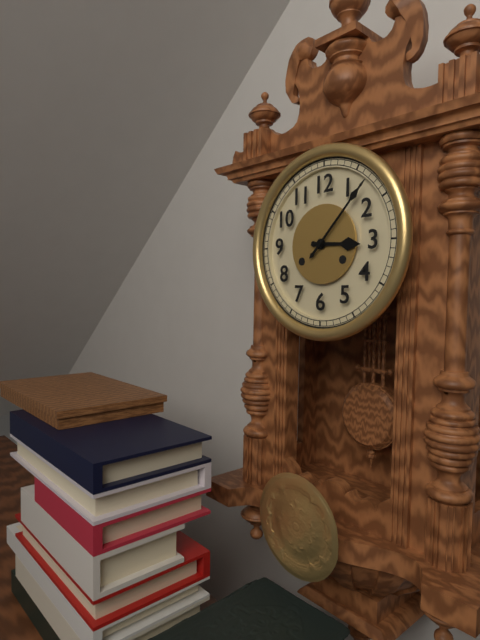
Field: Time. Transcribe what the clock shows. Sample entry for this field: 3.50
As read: 3.07
